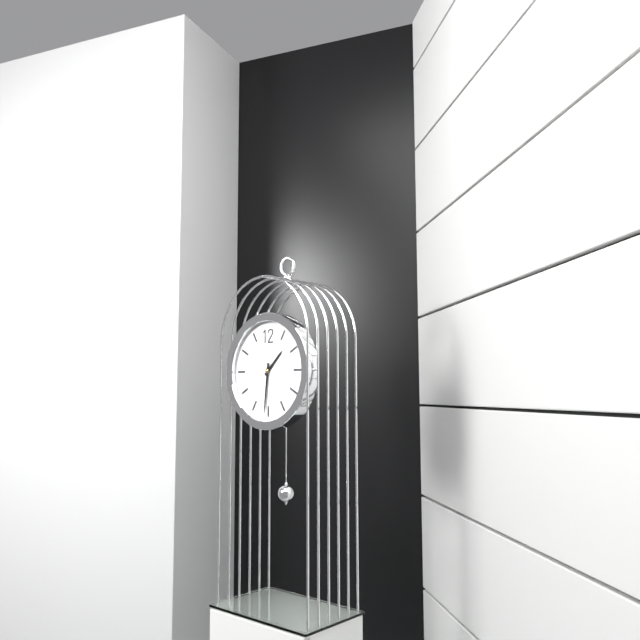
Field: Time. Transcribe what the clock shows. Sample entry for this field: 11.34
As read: 1.31
